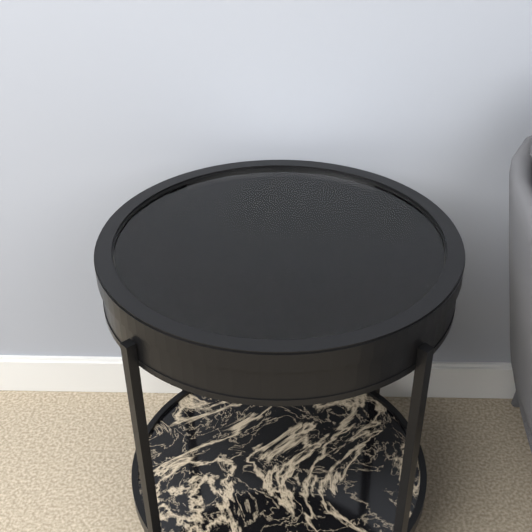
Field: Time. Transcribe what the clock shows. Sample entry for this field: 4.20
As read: 12.46
